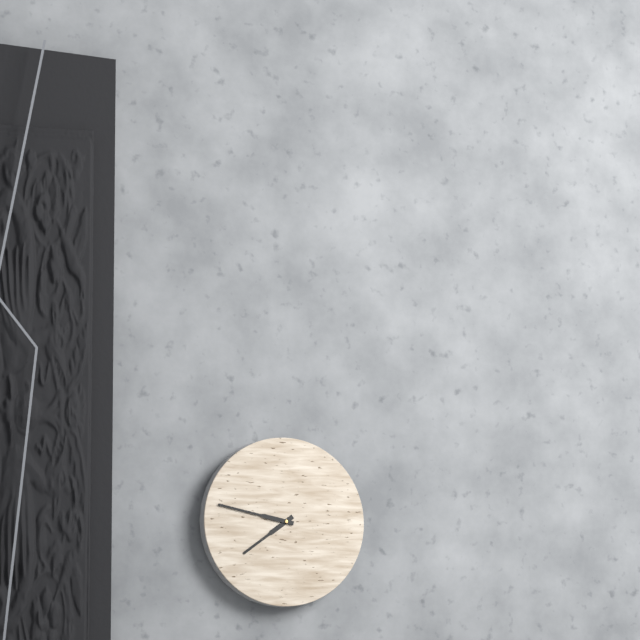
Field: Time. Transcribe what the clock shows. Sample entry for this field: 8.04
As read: 7.47
